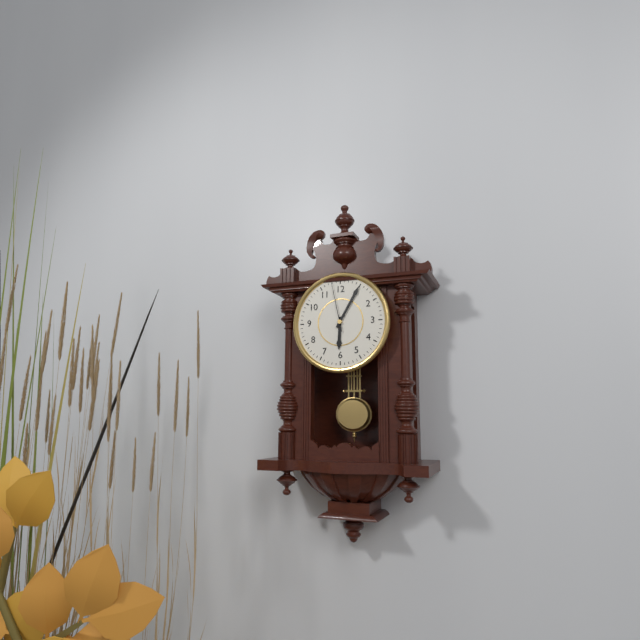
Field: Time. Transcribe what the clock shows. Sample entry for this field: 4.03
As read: 6.05
